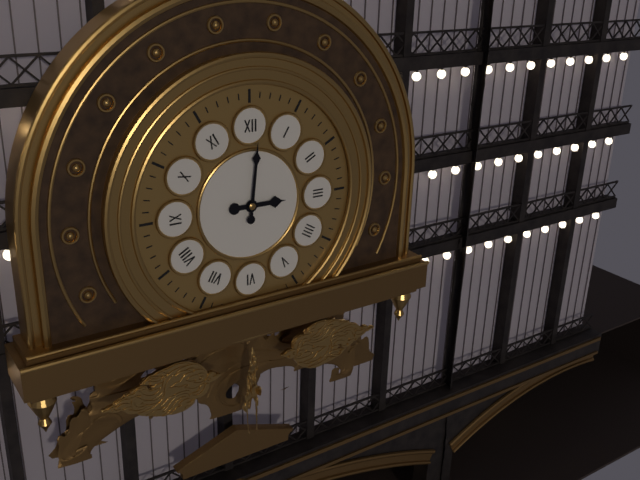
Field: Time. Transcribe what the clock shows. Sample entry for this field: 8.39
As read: 3.01
